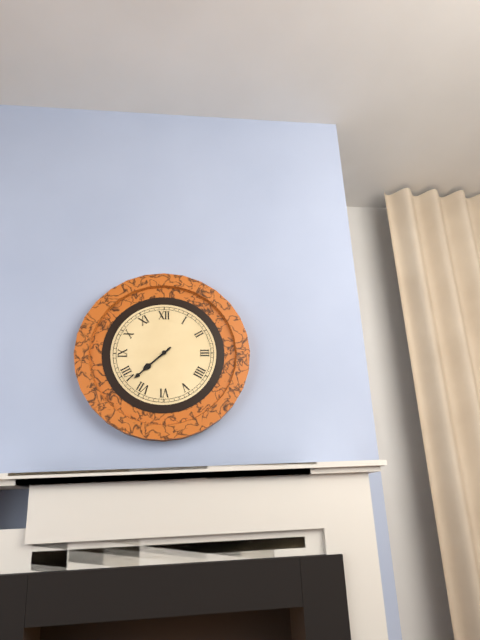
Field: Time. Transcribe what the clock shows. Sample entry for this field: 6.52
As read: 7.38
